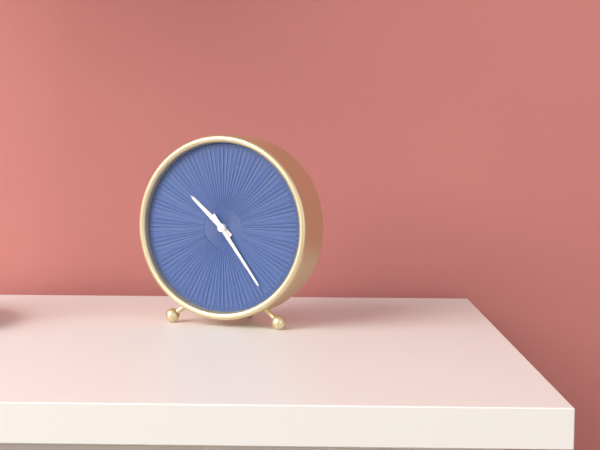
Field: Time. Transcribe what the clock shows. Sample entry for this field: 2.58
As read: 10.24
